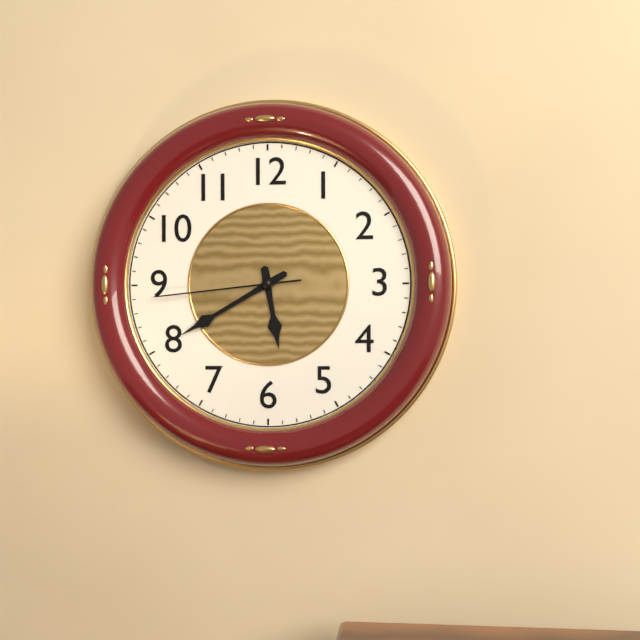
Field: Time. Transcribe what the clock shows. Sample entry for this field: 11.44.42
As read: 5.40.44
